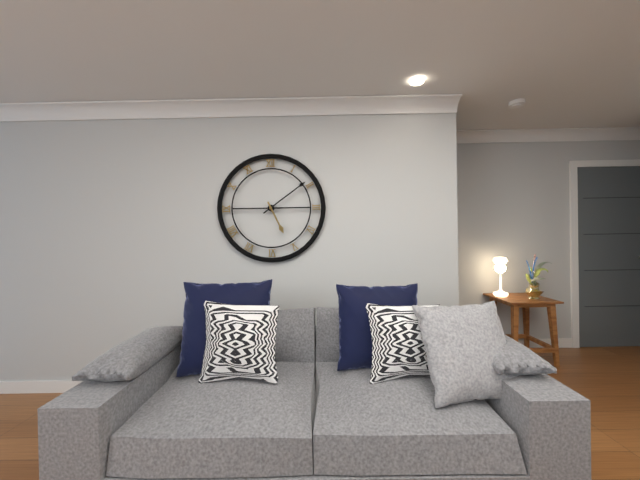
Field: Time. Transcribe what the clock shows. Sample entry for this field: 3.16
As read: 5.09
